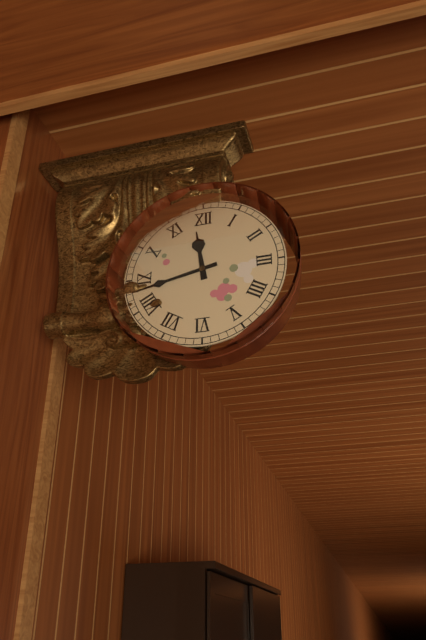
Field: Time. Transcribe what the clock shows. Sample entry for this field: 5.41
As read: 11.43
